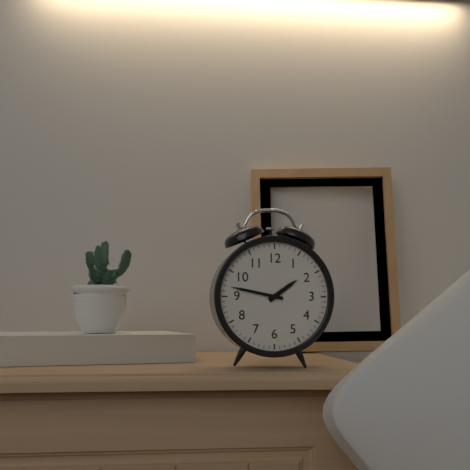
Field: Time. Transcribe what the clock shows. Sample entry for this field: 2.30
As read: 1.47
